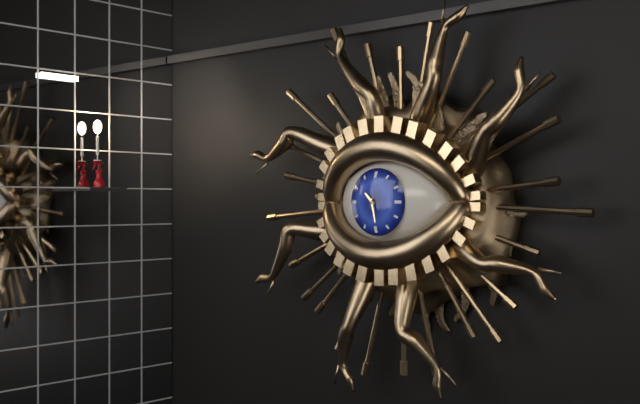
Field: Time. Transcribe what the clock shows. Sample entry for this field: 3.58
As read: 10.28
